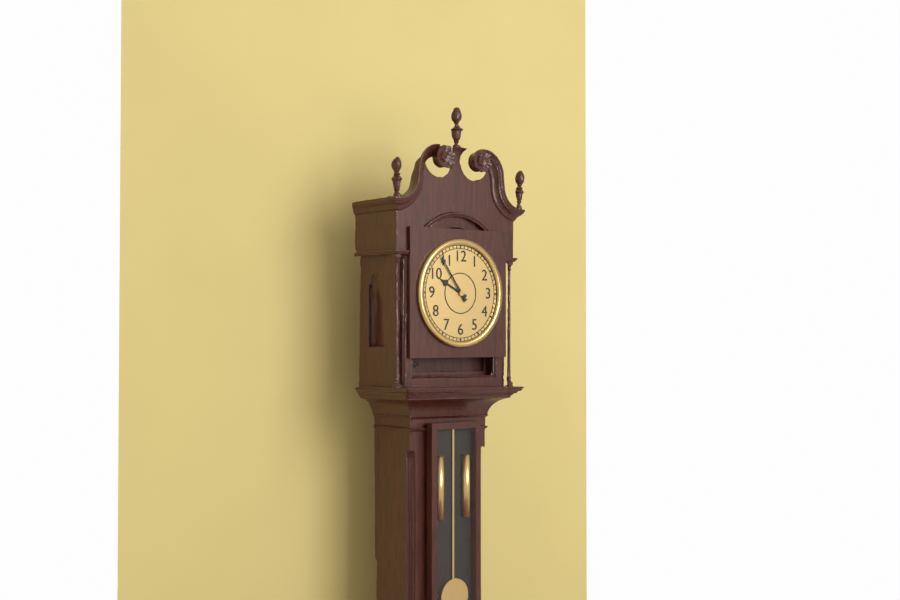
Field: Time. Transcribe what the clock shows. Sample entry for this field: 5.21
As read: 9.54
